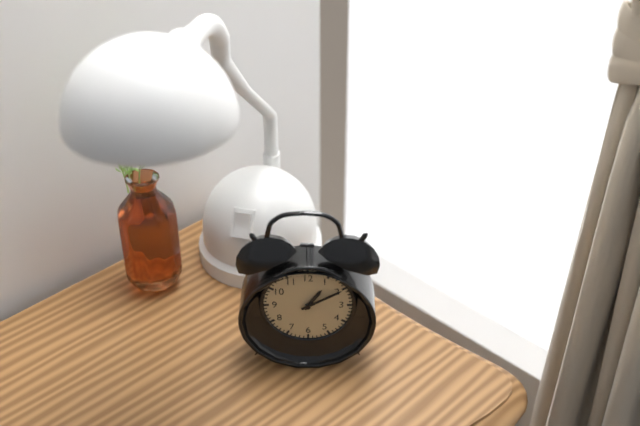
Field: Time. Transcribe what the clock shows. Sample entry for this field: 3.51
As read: 1.10
